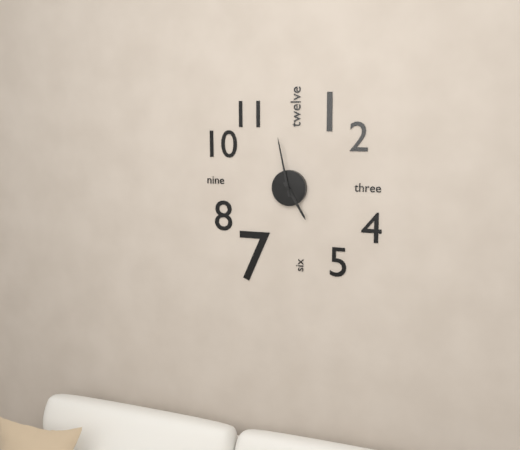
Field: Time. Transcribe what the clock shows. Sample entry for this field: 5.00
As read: 4.58
